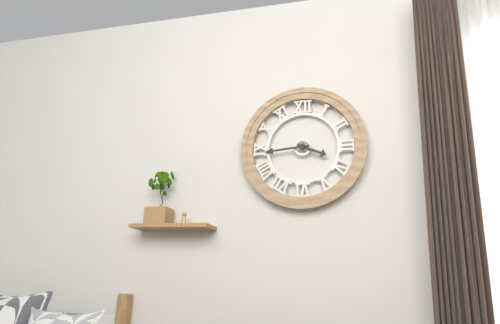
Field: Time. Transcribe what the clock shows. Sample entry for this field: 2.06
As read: 3.44
